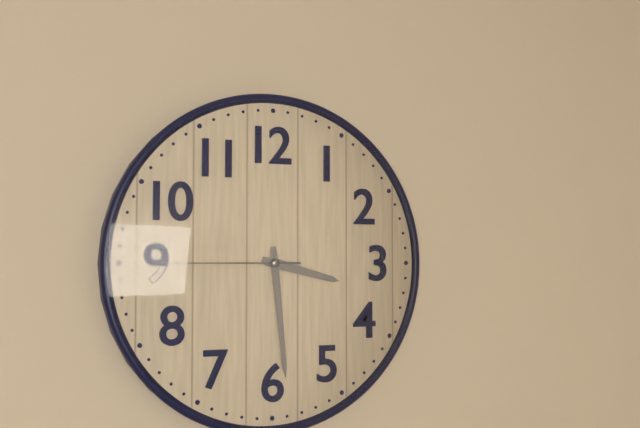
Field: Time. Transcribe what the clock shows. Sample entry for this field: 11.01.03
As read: 3.29.45
